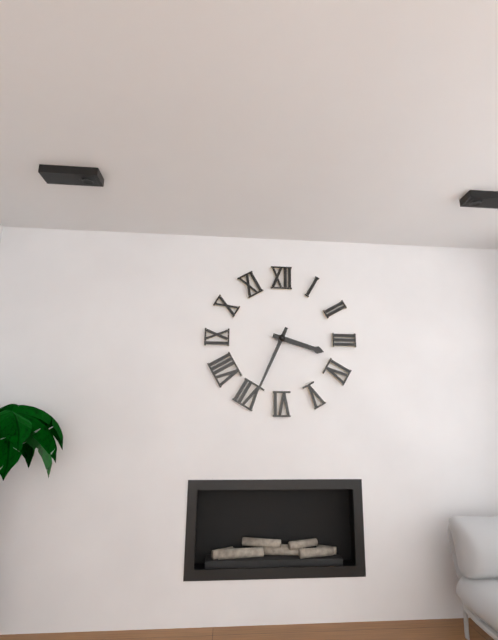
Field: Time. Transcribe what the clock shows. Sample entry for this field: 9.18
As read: 3.34
